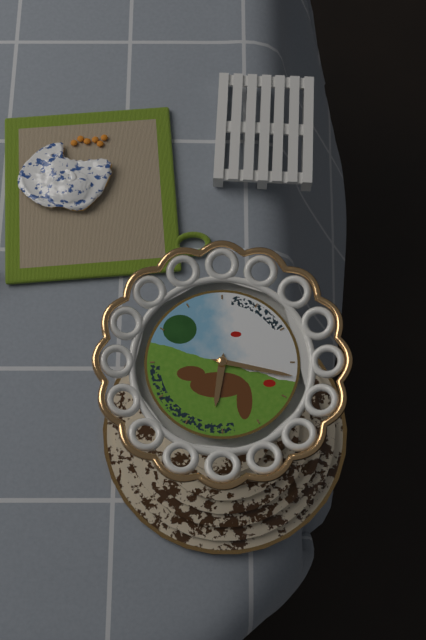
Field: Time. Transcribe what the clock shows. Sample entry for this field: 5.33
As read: 6.17
